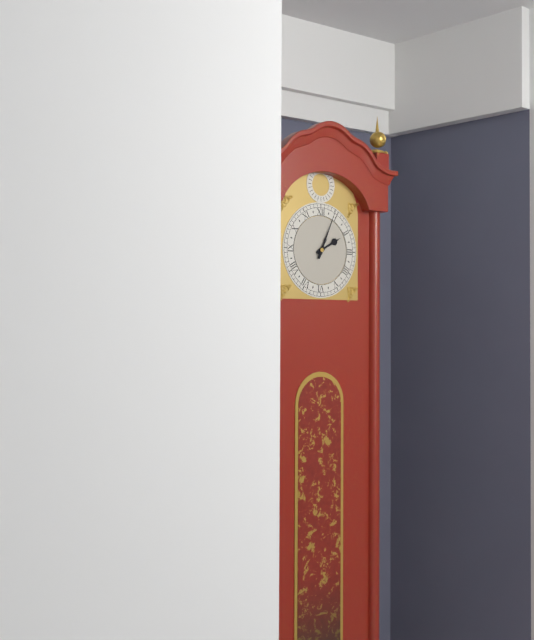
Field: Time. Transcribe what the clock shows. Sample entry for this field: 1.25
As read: 2.04
